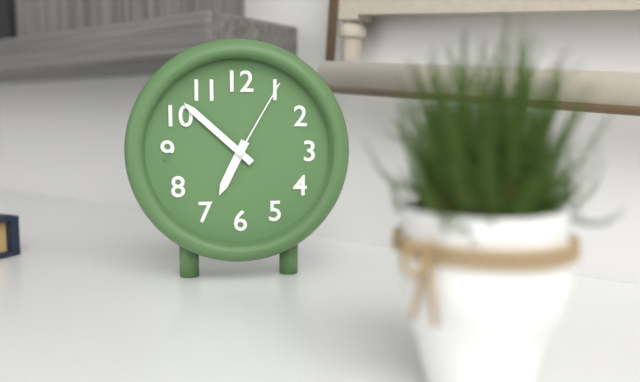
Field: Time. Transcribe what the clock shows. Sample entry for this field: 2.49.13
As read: 6.52.05
